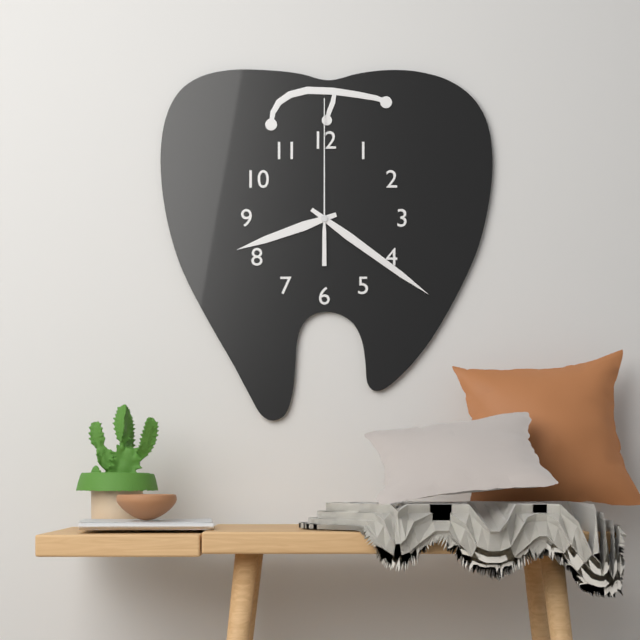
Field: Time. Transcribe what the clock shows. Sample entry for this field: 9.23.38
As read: 8.21.00
